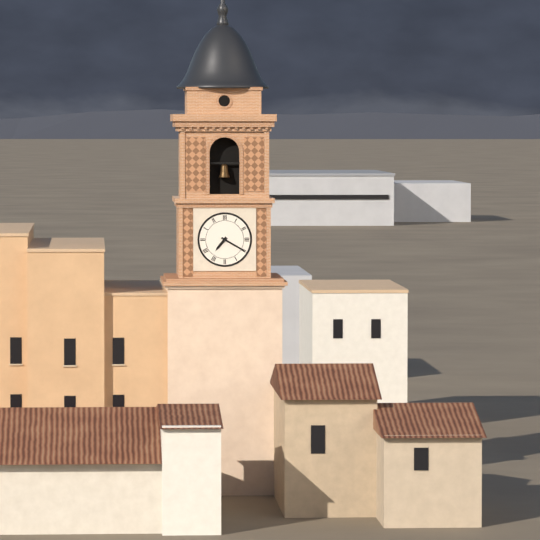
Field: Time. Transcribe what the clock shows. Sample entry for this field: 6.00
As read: 7.20
